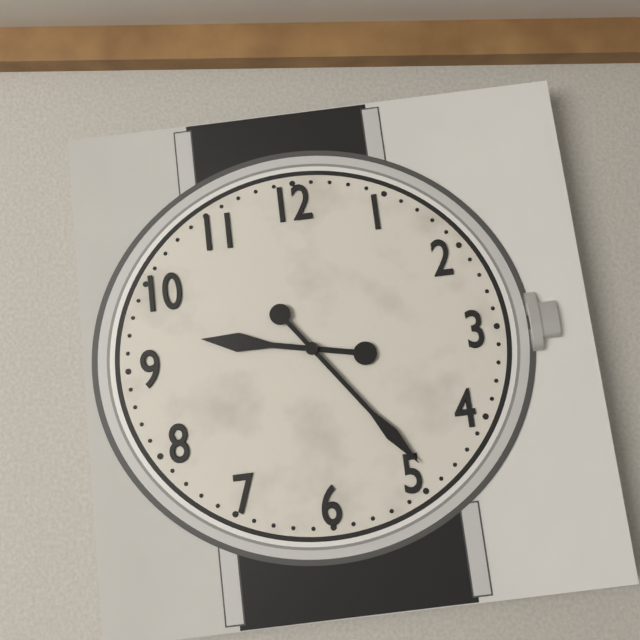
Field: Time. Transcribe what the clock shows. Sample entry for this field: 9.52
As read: 9.24
